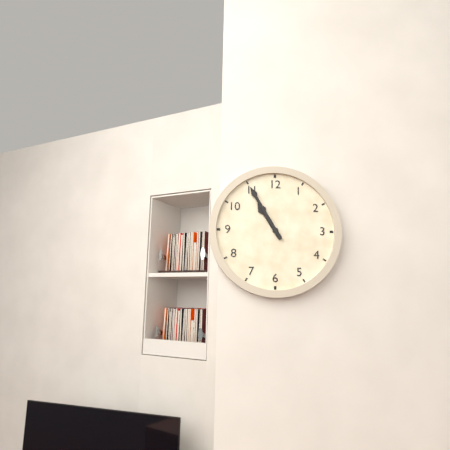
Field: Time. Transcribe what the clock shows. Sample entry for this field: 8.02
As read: 10.55
